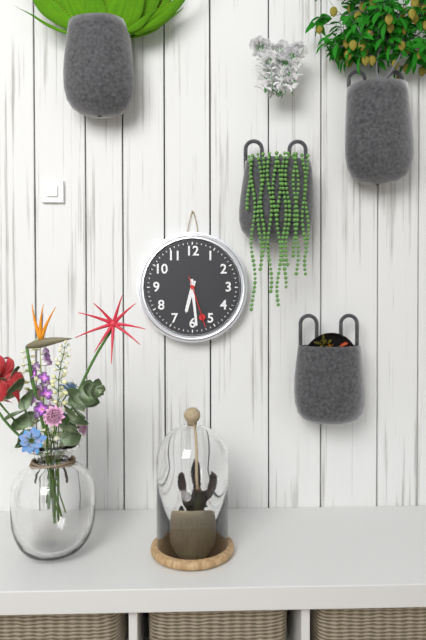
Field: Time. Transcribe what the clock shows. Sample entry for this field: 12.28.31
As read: 6.29.27
